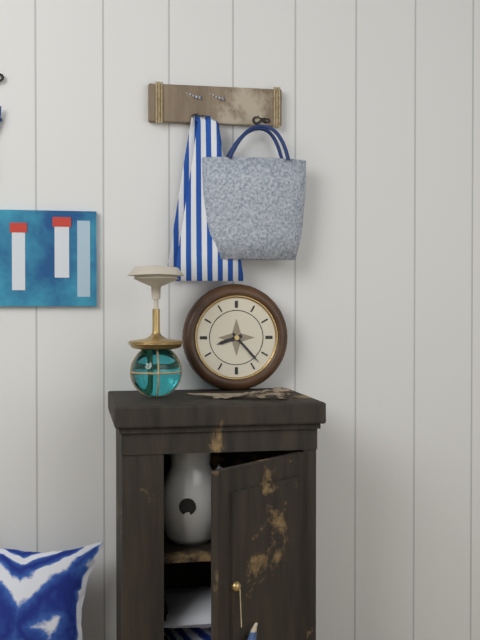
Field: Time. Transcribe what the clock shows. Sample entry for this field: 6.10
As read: 8.23
